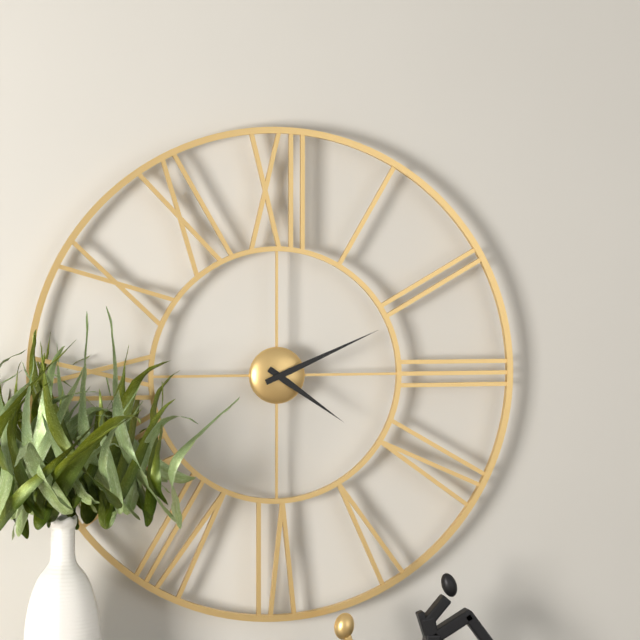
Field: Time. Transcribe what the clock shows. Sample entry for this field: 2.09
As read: 4.11
